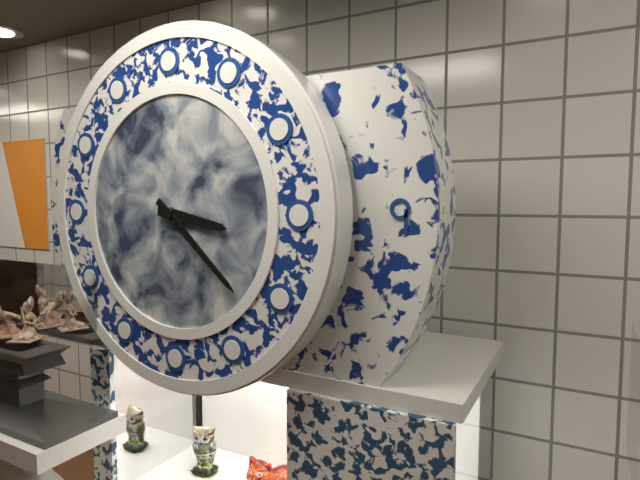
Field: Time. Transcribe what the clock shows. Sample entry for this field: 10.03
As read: 3.22
